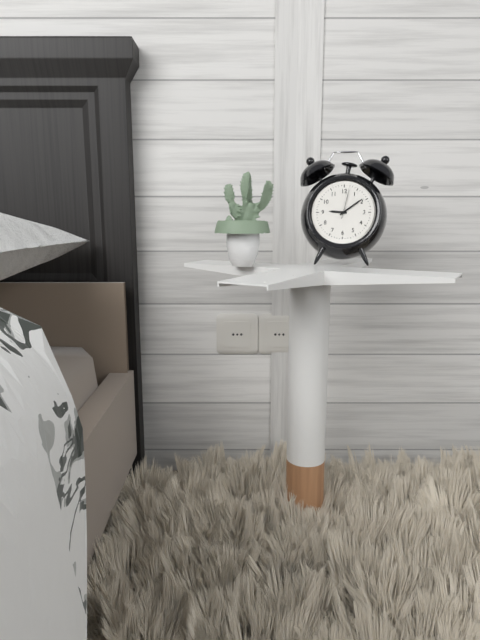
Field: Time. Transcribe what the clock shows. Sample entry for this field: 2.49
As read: 9.09
